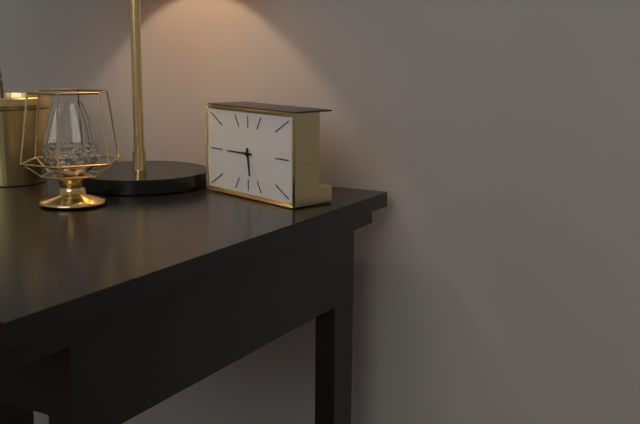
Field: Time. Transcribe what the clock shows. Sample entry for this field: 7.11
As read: 5.45
